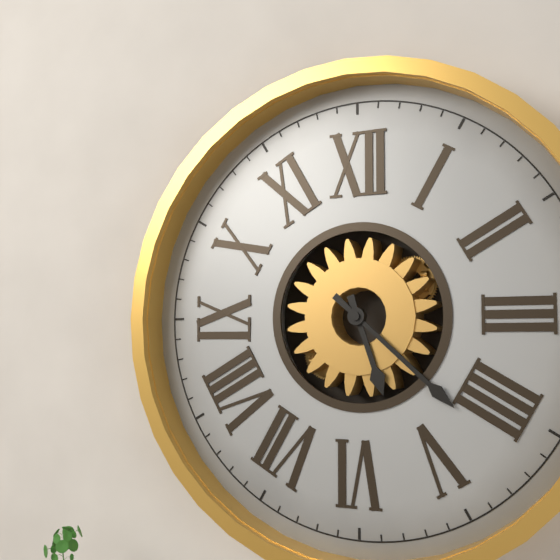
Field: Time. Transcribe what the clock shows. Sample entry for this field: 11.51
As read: 5.22
